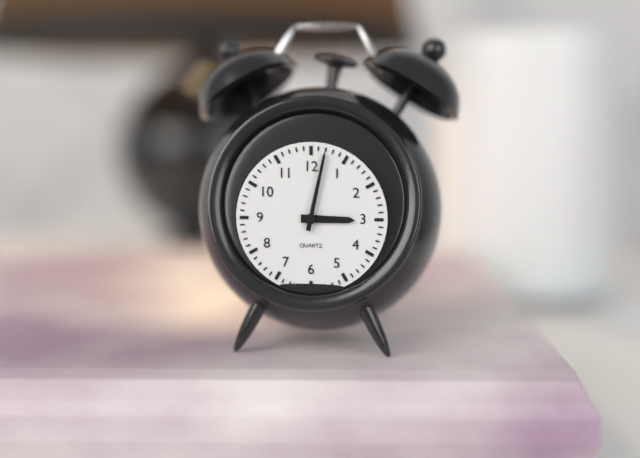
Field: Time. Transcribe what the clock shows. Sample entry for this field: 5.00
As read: 3.02
